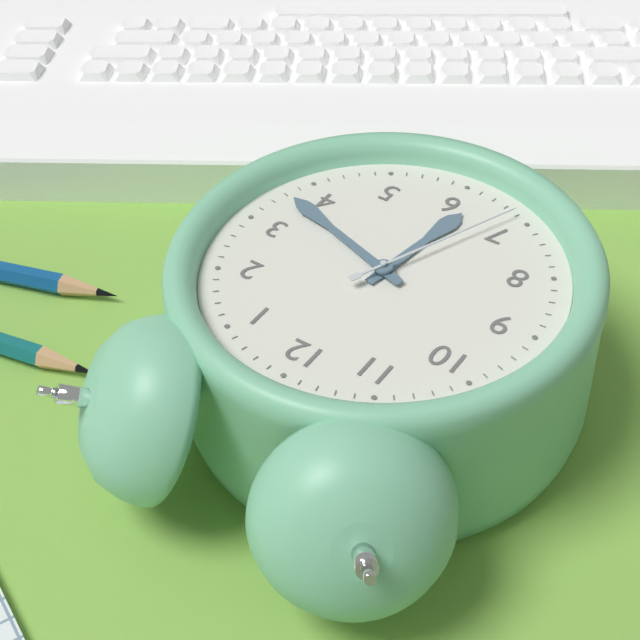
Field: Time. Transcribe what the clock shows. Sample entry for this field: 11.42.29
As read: 6.18.34
